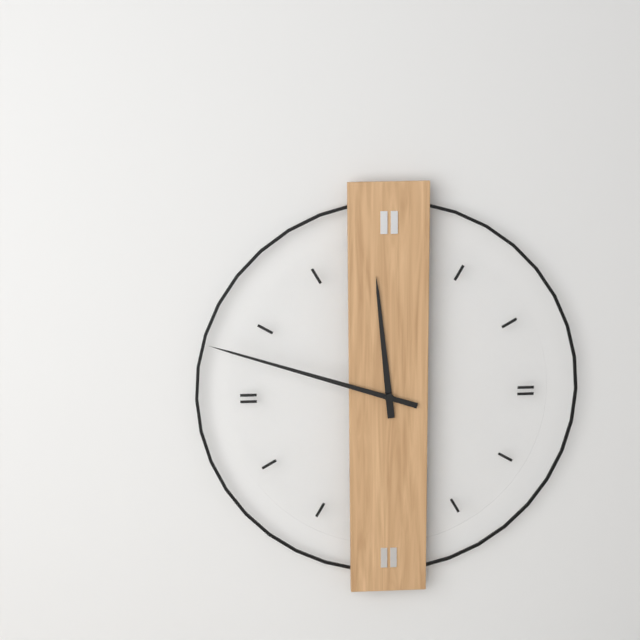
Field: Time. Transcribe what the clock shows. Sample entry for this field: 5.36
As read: 11.48
